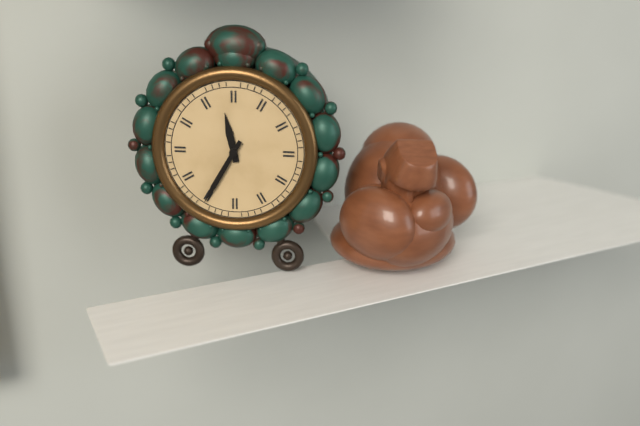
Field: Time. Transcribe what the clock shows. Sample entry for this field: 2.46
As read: 11.35
